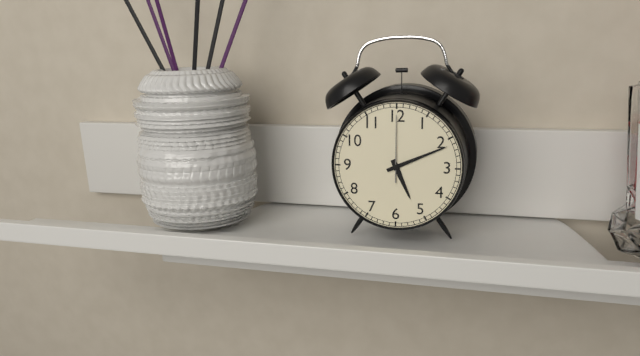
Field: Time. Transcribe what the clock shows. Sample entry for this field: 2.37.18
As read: 5.11.00
